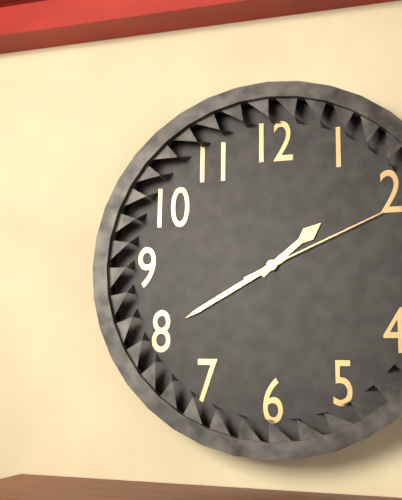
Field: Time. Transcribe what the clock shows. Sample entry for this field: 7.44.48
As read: 1.40.11
